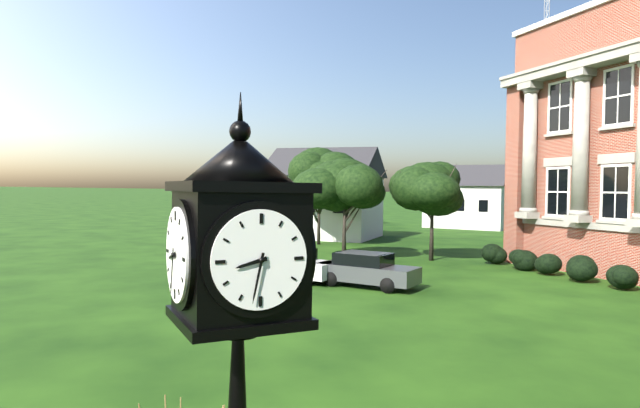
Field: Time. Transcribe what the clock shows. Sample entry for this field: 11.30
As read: 8.32
